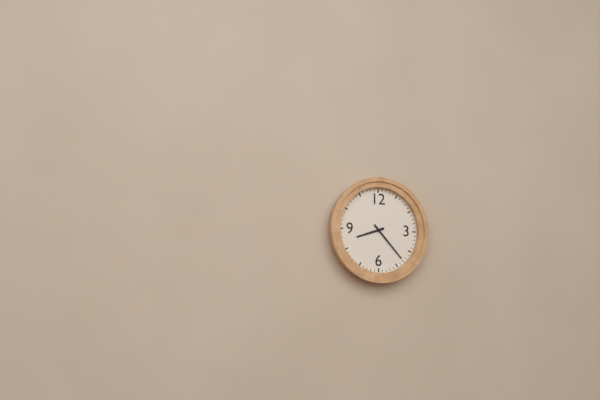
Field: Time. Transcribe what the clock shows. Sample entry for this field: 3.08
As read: 8.23
